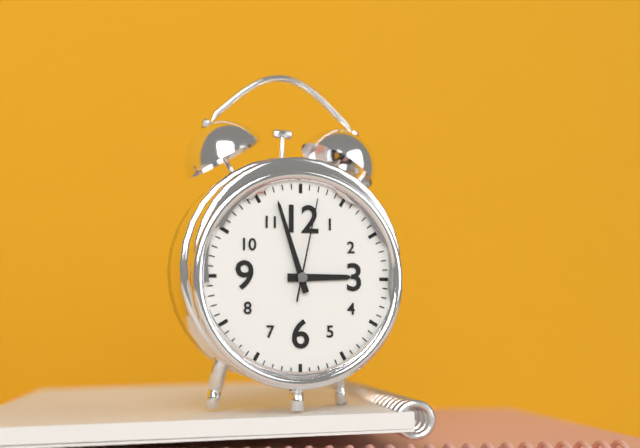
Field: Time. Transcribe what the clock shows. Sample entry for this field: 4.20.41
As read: 2.57.02
